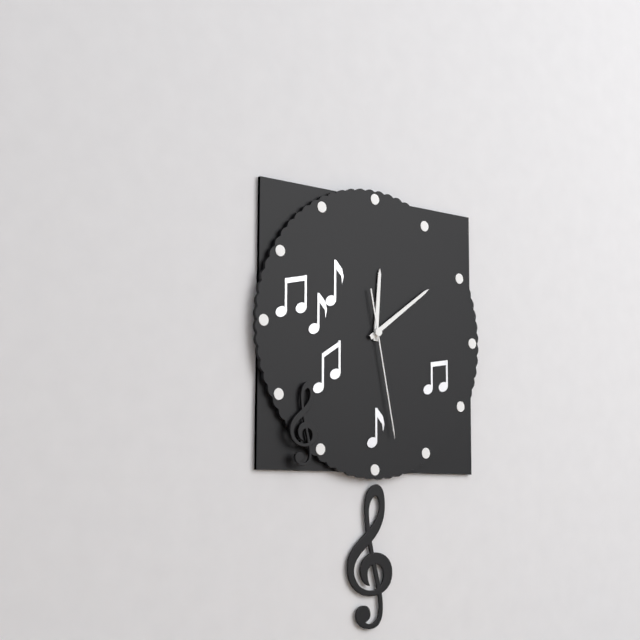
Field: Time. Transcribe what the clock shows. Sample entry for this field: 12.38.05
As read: 12.09.28
